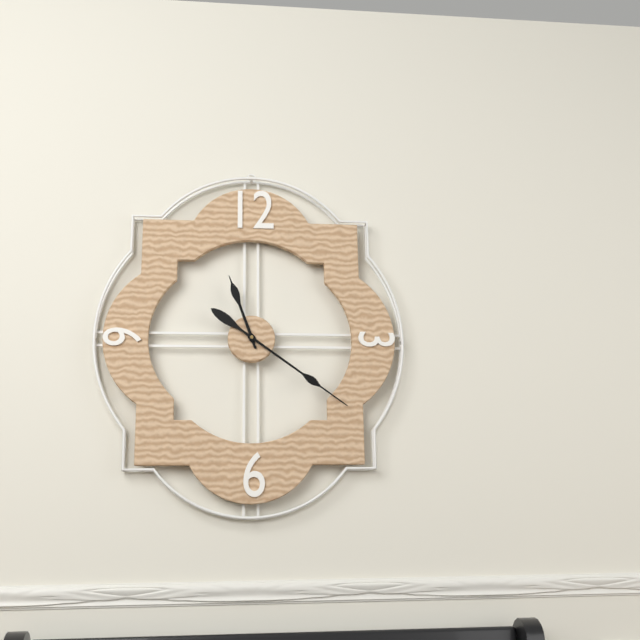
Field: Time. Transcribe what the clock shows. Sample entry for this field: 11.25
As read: 11.21
